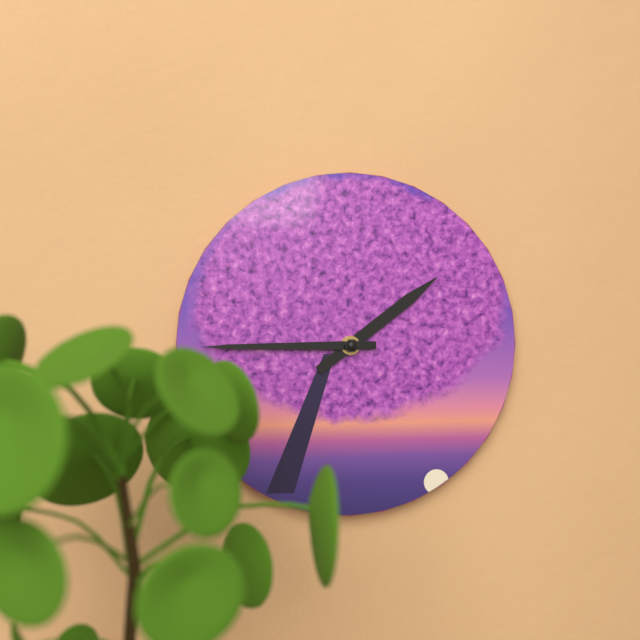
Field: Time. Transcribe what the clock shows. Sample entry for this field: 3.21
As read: 1.45
